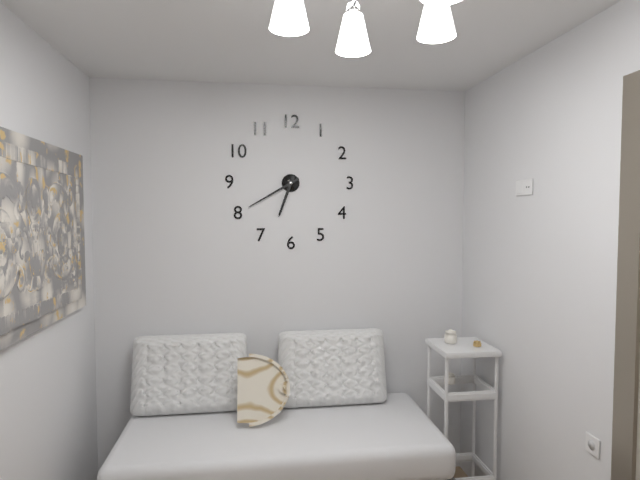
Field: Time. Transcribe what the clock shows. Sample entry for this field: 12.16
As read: 6.40
